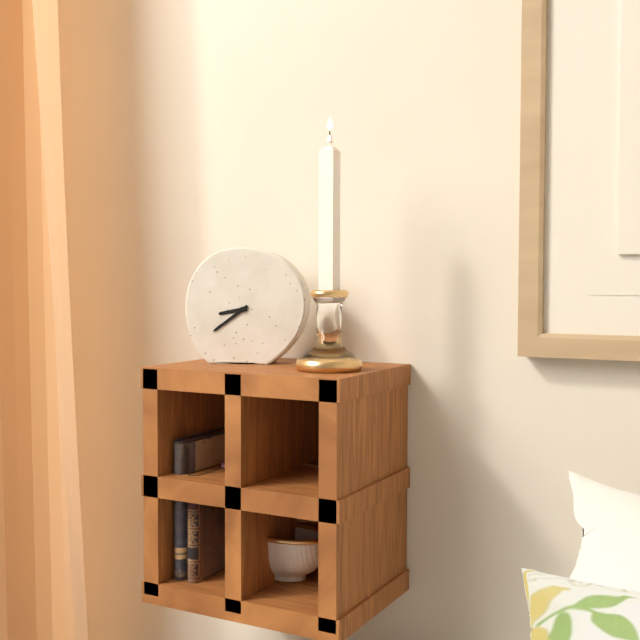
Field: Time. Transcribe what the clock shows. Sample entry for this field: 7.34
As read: 8.39
